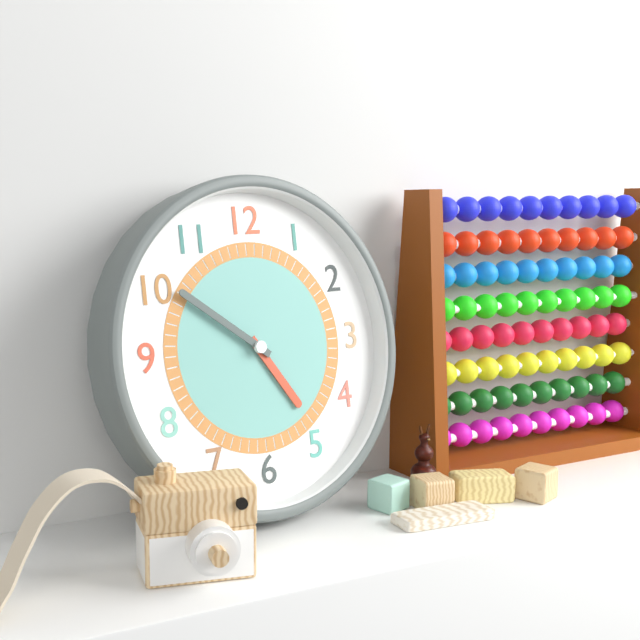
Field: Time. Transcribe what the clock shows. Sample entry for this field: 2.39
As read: 4.51
